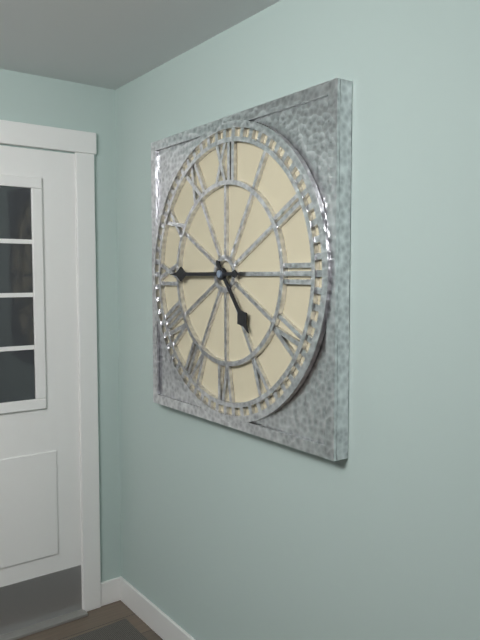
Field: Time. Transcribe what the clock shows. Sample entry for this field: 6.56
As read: 4.45
